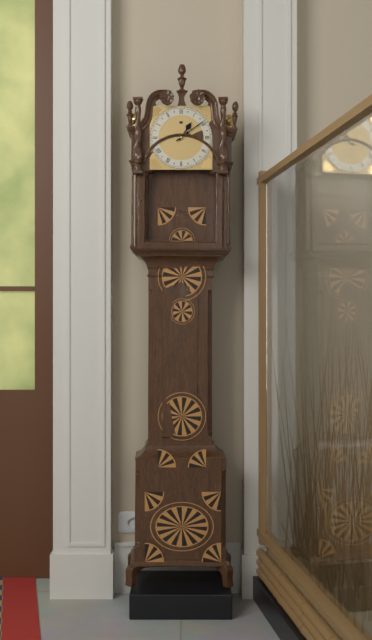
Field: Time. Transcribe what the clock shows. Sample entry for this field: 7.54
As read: 1.09
